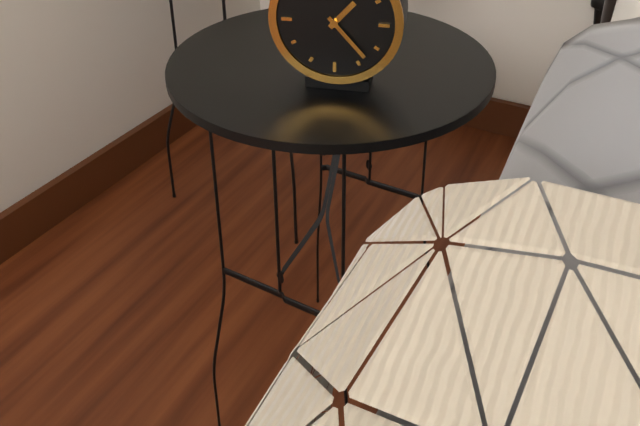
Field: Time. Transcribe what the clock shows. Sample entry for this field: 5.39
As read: 1.23
